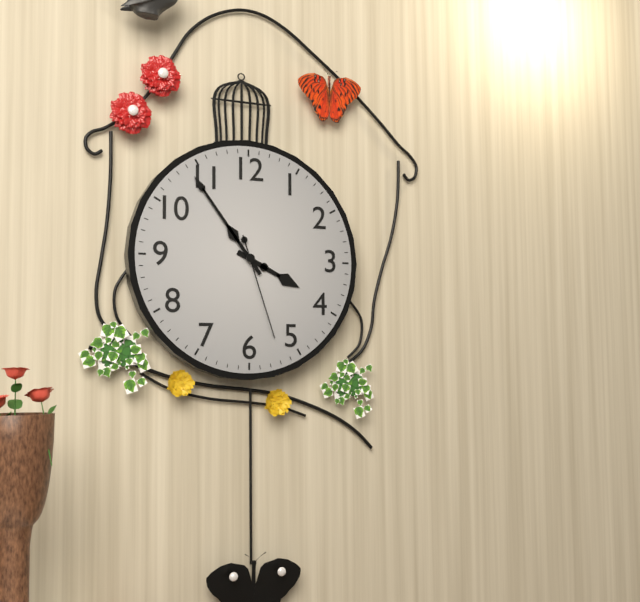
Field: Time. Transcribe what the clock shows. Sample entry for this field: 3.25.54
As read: 3.54.27
